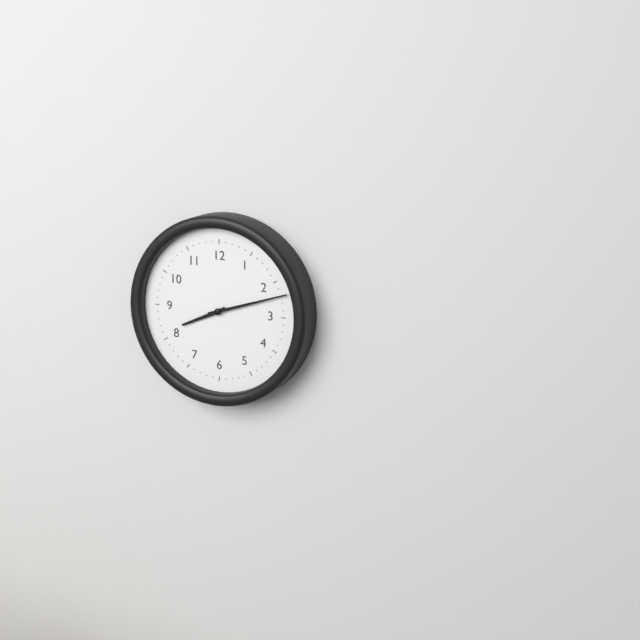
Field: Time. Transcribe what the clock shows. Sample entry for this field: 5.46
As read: 8.12
